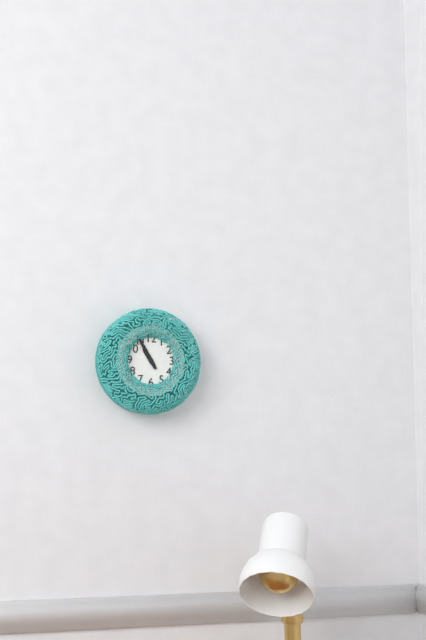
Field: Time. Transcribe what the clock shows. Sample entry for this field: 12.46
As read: 10.55
